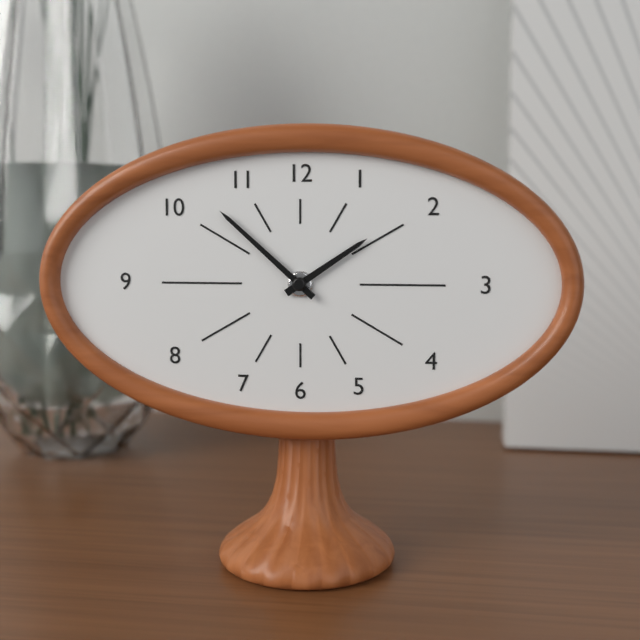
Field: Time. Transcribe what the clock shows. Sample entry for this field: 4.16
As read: 1.52
